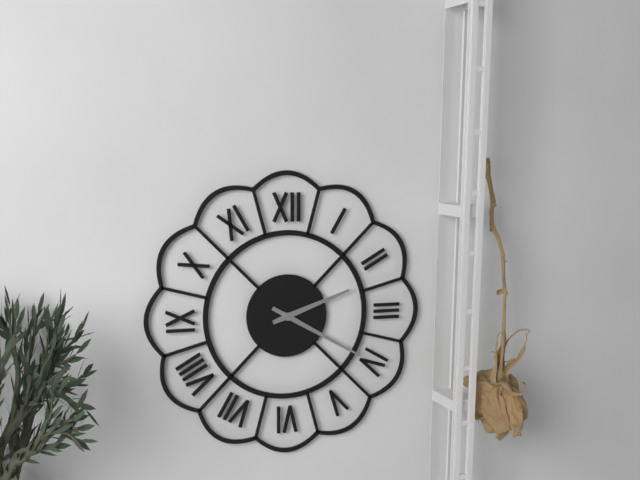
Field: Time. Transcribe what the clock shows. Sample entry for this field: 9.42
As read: 2.20
